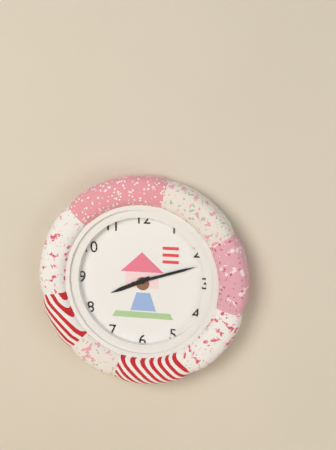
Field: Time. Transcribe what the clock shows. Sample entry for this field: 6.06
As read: 8.12
